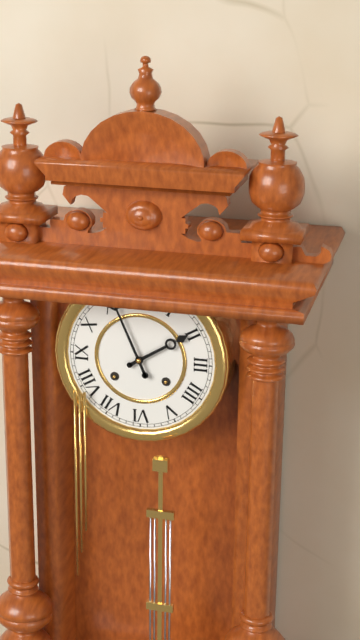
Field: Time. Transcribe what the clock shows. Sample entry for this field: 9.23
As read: 1.56
